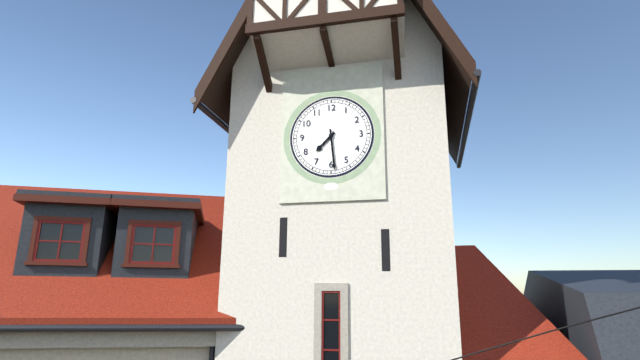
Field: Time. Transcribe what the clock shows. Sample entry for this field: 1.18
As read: 7.29
